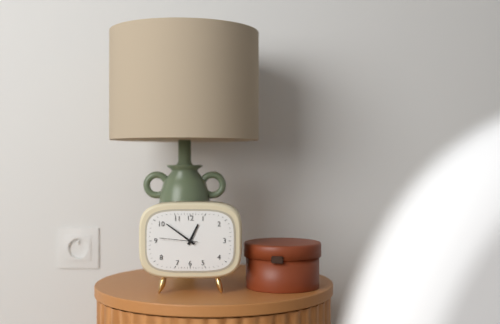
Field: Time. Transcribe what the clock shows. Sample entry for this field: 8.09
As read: 12.51
